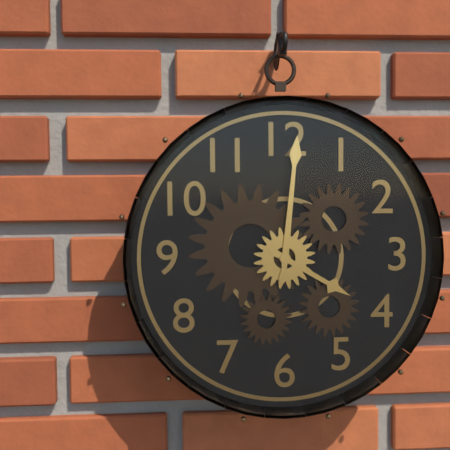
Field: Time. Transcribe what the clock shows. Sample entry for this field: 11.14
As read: 4.01
